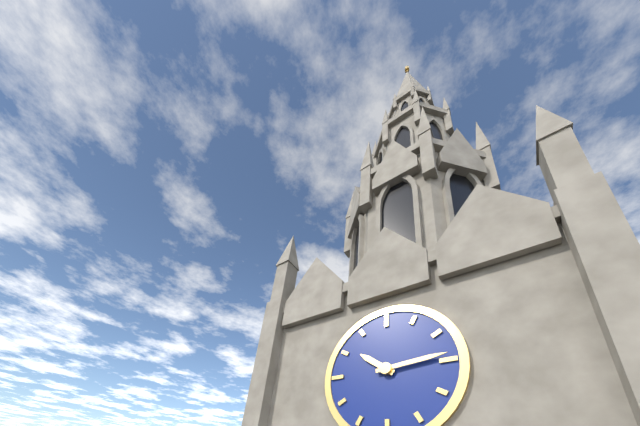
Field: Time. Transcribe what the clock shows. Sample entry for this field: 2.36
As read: 10.14
